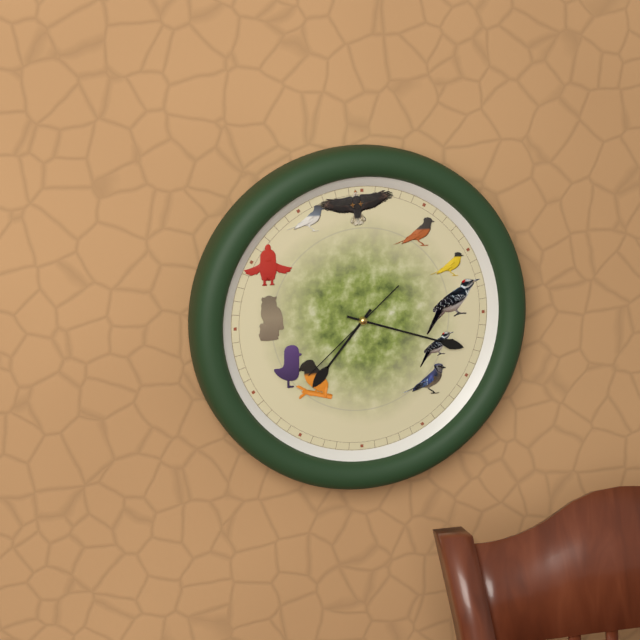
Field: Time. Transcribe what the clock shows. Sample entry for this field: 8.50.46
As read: 7.18.38
